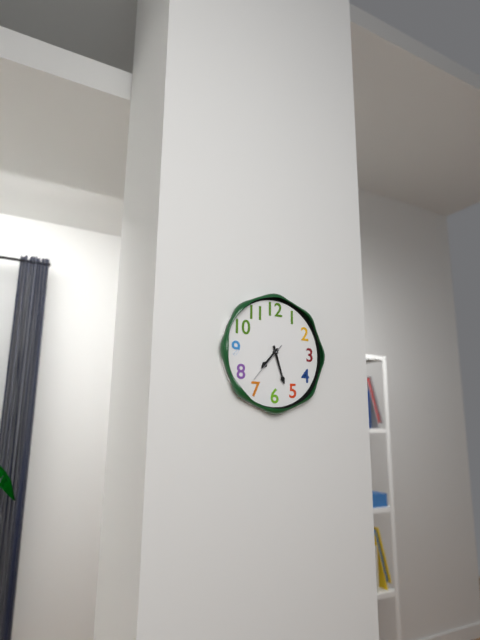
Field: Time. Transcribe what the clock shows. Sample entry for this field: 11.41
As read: 7.27
